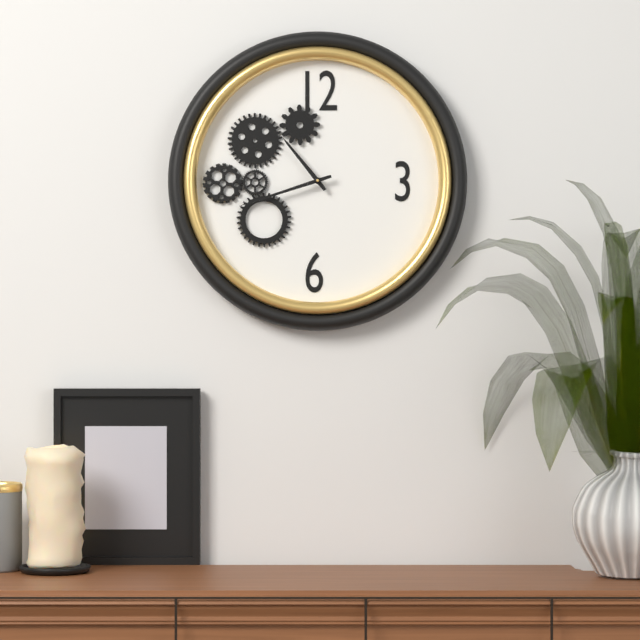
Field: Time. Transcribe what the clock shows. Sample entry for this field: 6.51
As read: 10.42
